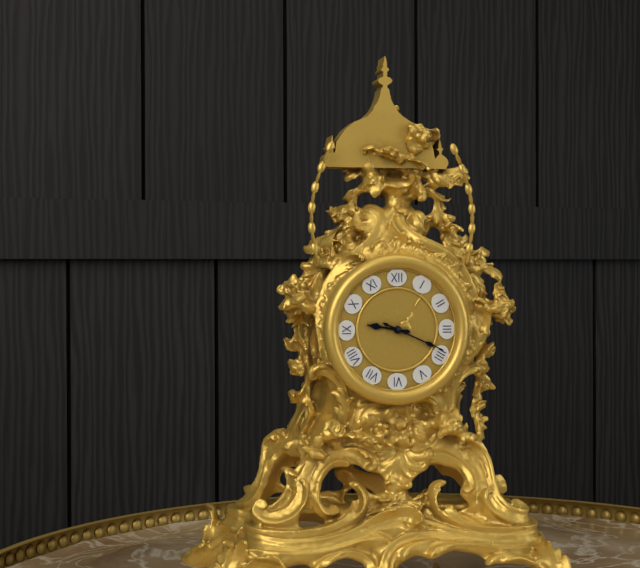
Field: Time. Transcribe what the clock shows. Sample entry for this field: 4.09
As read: 9.19
